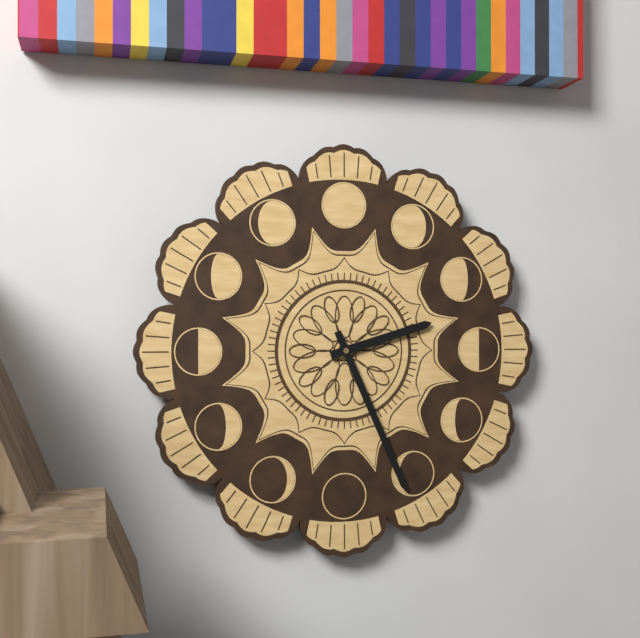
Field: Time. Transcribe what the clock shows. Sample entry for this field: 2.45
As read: 2.26
